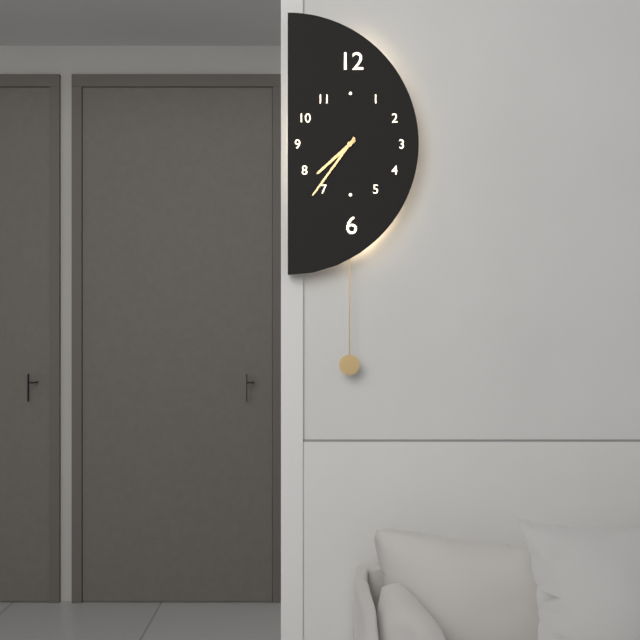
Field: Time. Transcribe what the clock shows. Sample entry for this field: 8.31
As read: 7.36
